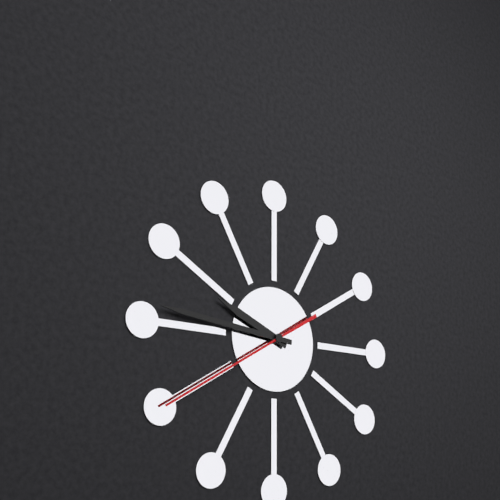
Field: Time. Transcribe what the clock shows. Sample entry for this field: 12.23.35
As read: 9.46.40
